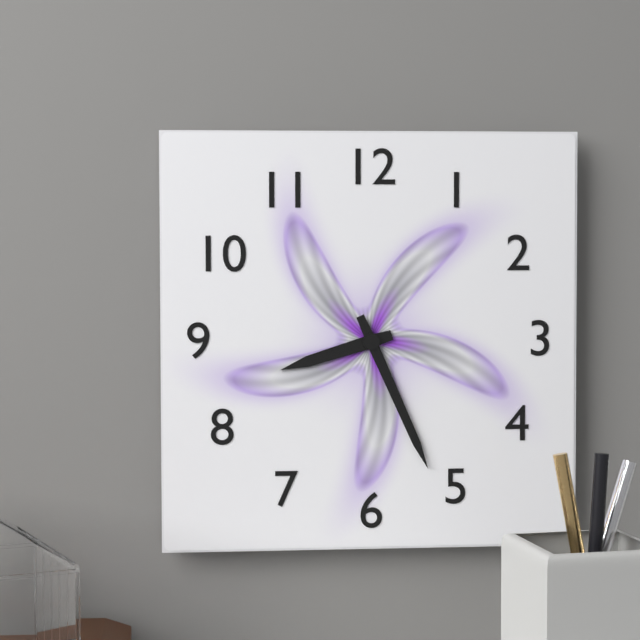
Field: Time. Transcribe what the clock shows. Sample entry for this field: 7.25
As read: 8.26
